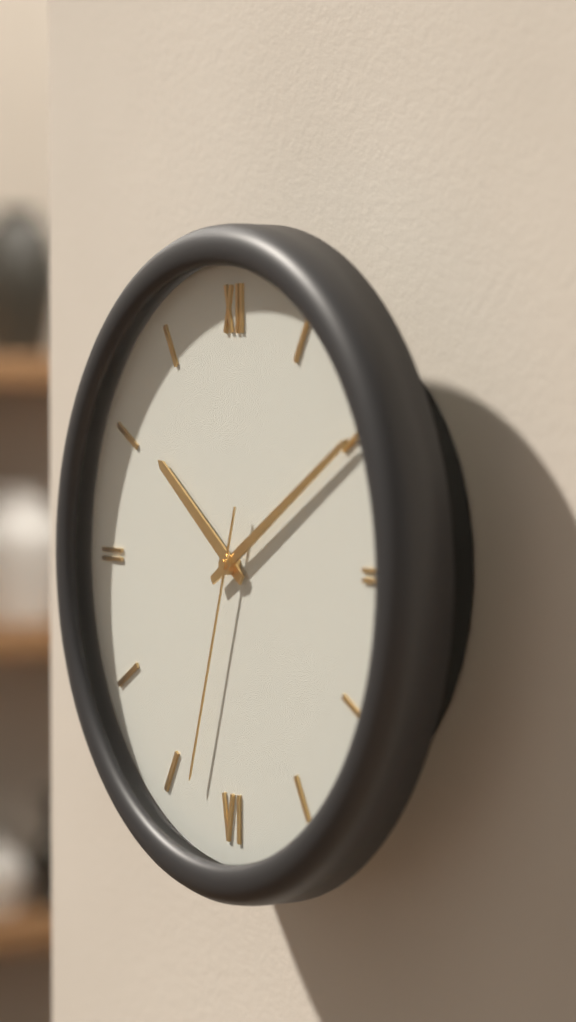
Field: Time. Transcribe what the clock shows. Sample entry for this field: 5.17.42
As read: 10.10.33
